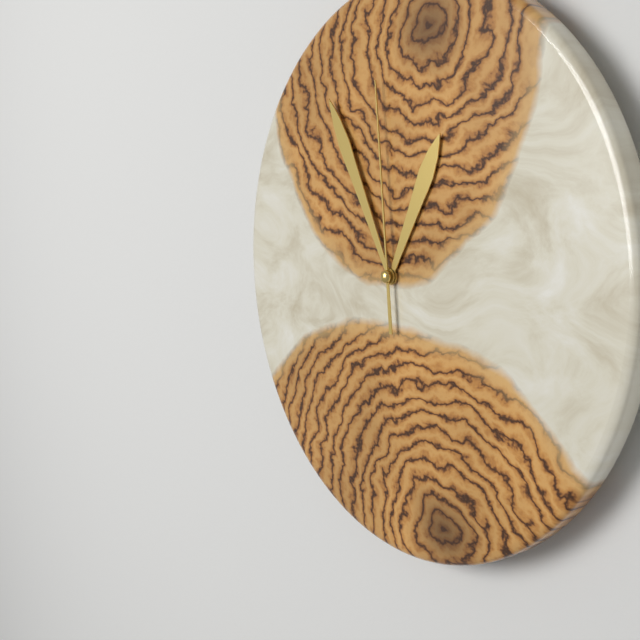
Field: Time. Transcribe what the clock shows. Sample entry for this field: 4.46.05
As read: 12.55.59
